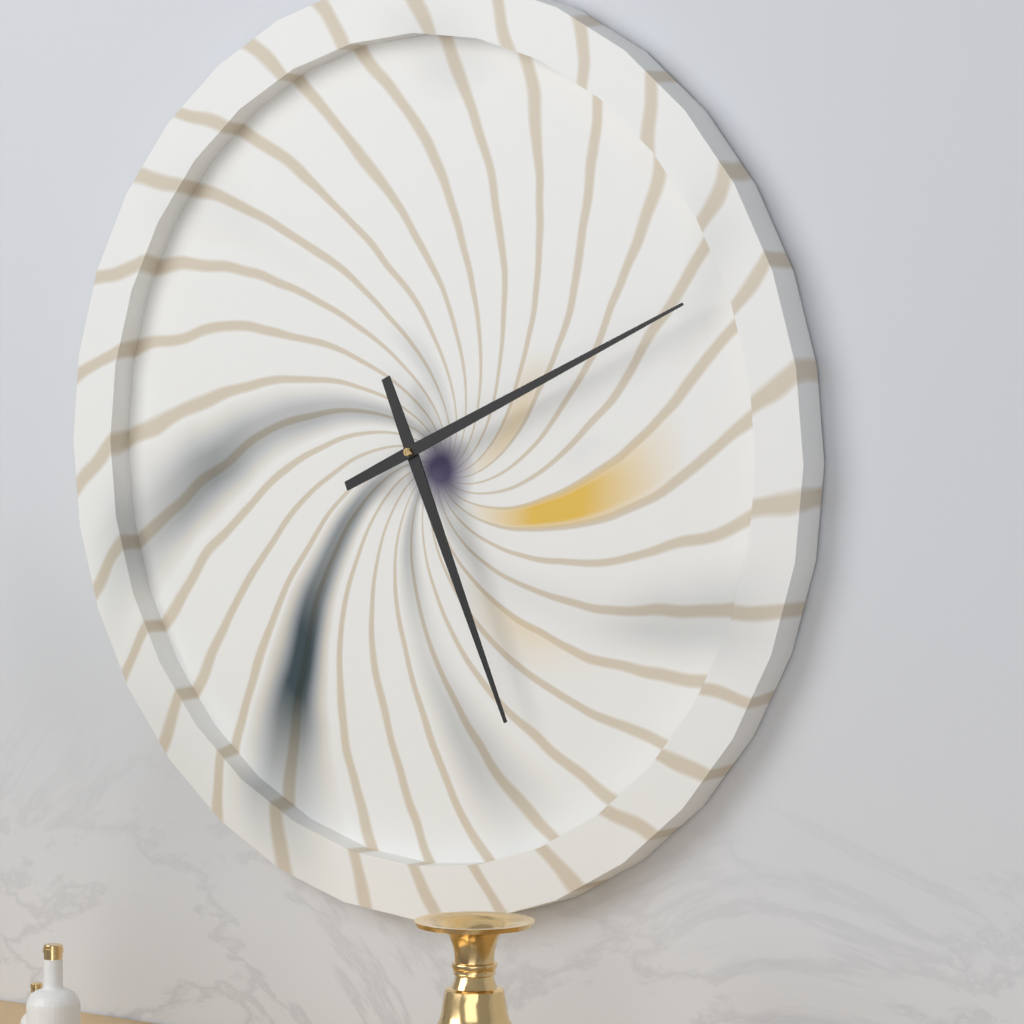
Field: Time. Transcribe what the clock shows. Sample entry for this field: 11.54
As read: 5.11
